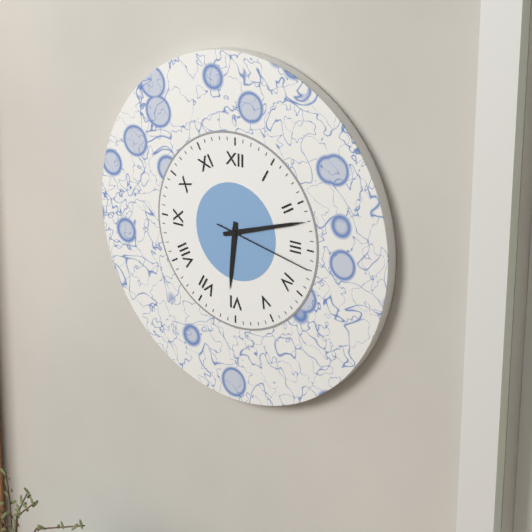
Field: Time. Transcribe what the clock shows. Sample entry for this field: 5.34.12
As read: 6.12.17
